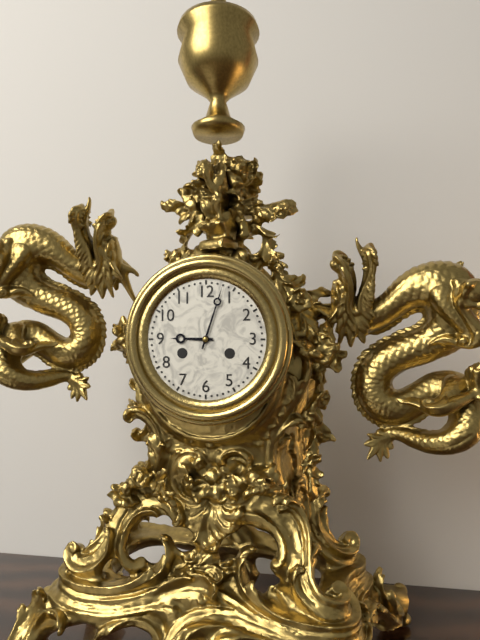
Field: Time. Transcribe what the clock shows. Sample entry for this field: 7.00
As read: 9.03
